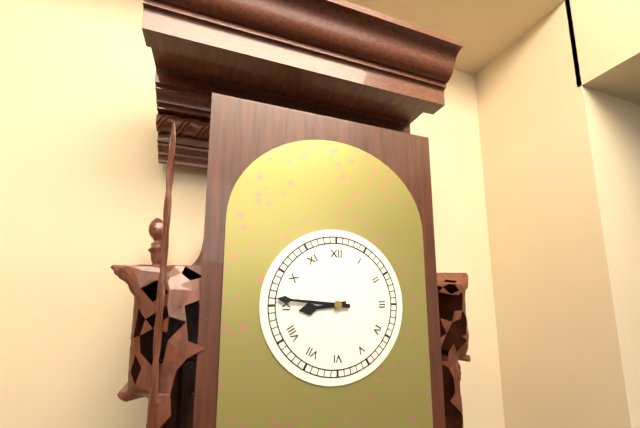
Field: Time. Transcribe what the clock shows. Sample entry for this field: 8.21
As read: 8.46
